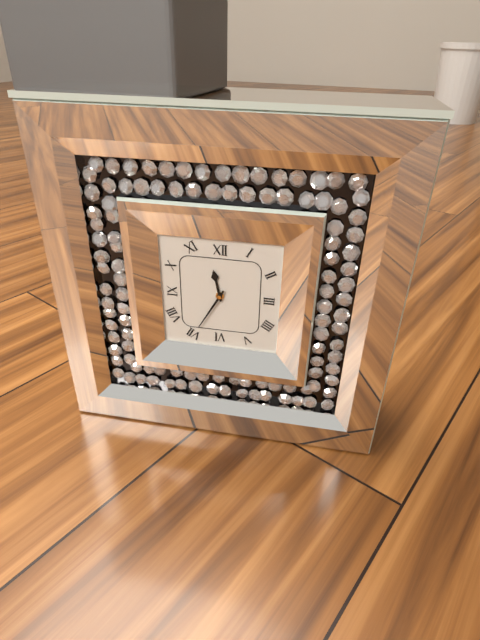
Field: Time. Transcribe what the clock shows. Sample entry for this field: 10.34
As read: 11.35
